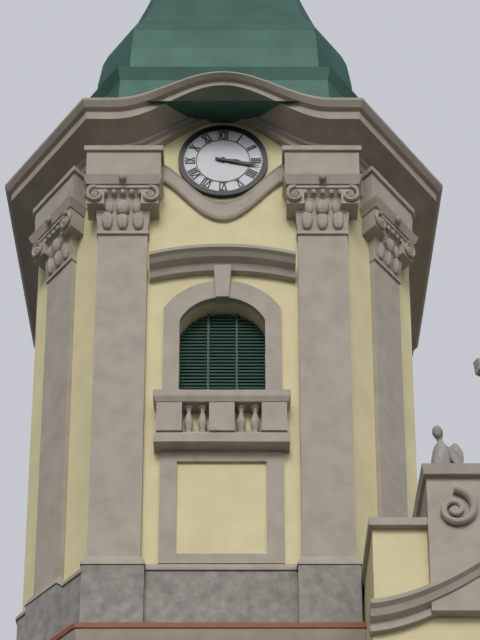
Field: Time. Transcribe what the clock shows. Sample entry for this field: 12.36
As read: 3.17
